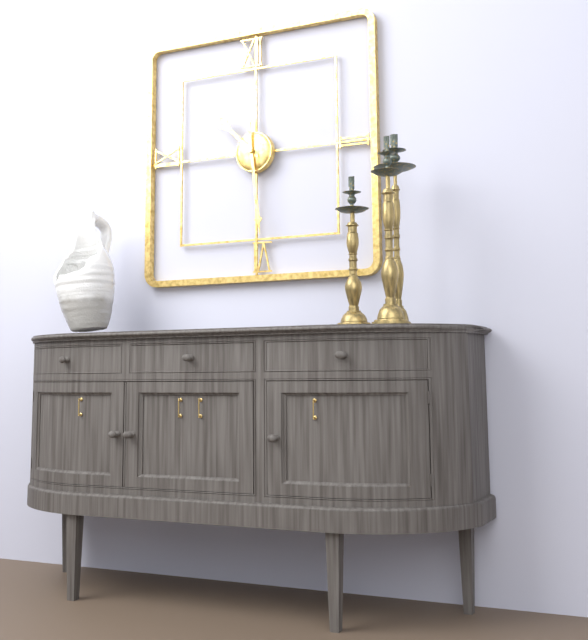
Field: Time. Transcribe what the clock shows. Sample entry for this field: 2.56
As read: 10.29
